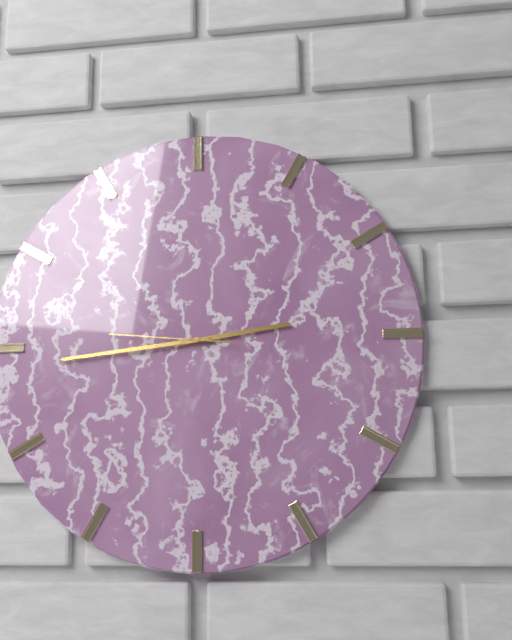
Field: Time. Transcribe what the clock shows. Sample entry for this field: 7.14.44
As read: 2.44.46
